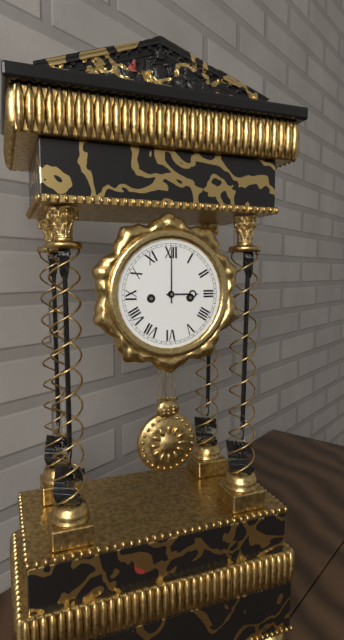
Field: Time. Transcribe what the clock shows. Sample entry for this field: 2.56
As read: 3.00
